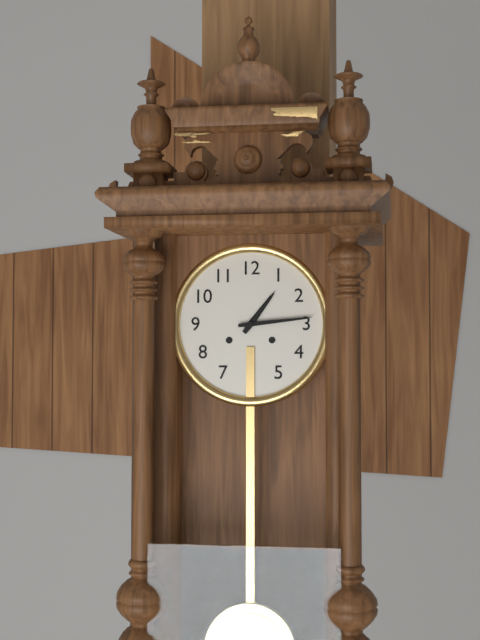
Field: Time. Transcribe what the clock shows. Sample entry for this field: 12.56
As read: 1.14
